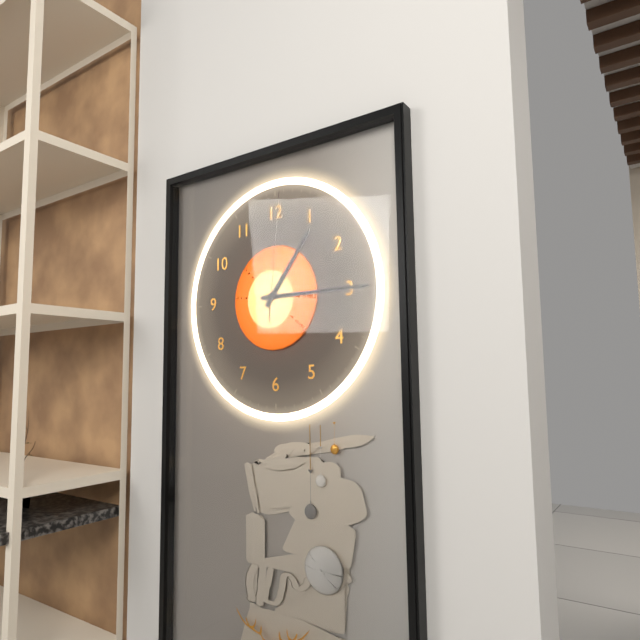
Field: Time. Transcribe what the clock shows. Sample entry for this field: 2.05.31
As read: 1.15.01
